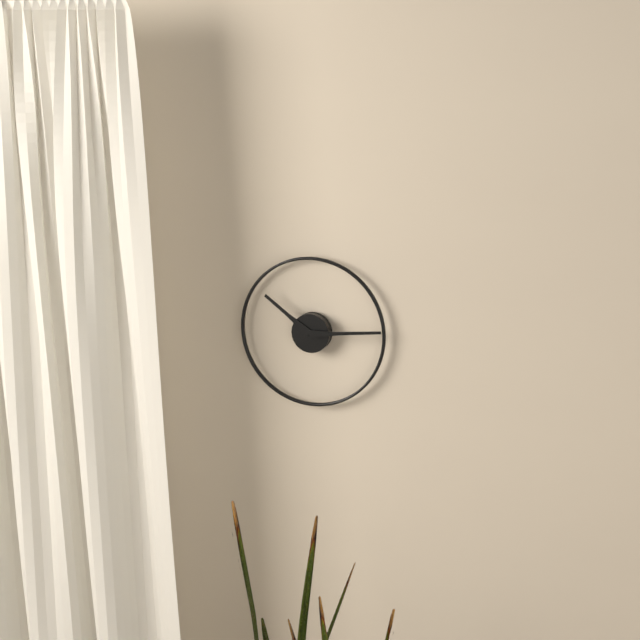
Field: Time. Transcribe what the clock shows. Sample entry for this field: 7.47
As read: 10.14
